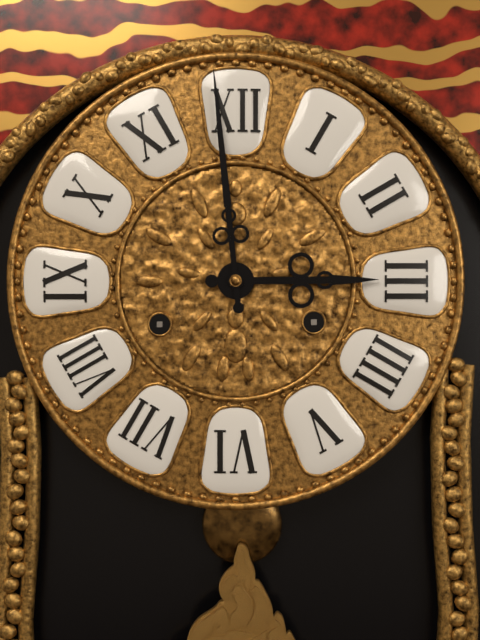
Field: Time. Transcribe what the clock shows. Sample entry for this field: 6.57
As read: 2.59
